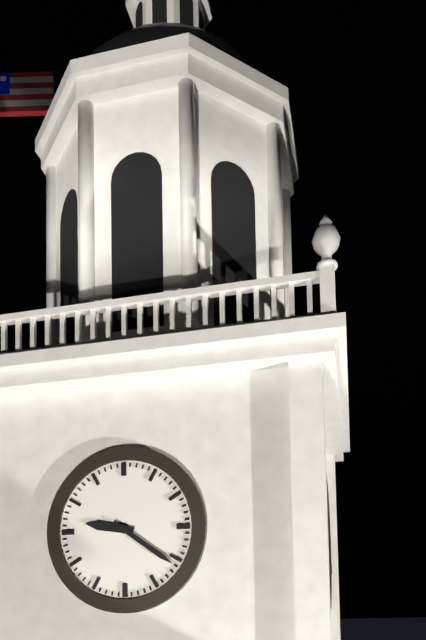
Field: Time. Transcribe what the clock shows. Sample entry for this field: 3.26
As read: 9.21
